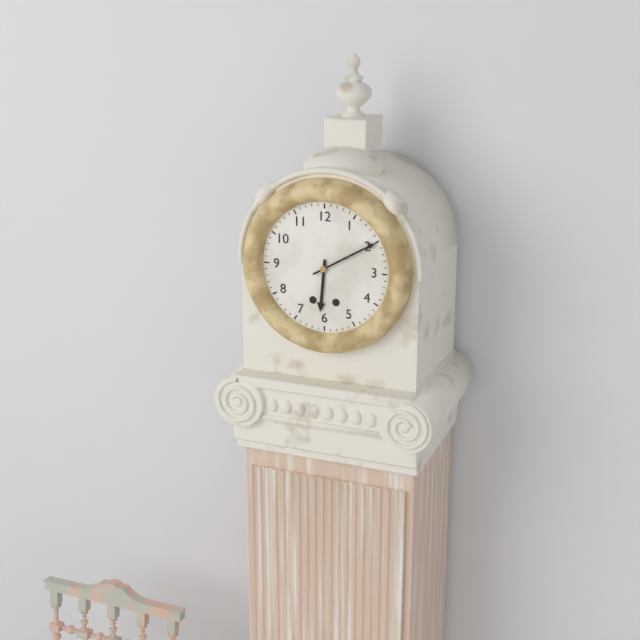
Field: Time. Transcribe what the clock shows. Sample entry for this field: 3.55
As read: 6.10
